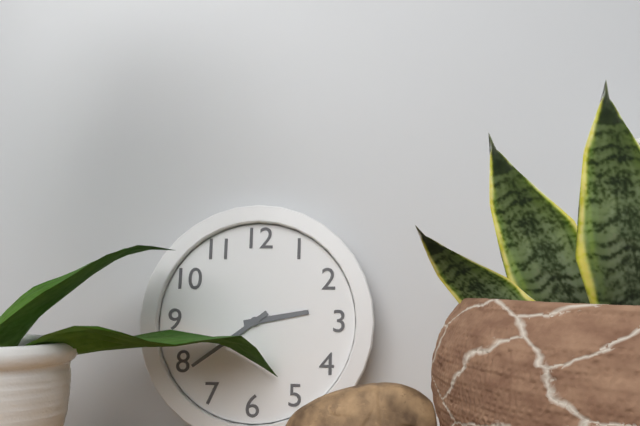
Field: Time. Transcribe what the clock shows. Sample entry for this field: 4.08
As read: 2.39
